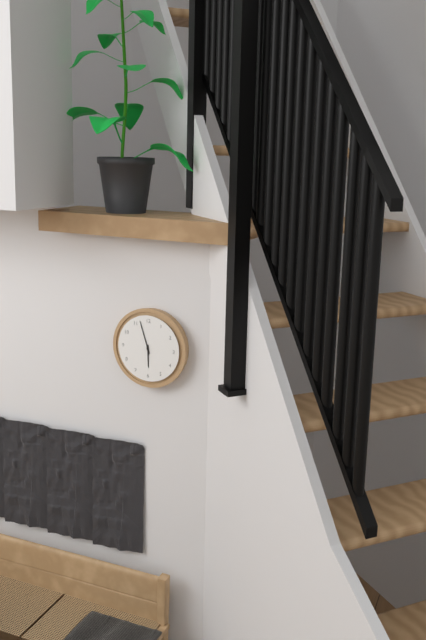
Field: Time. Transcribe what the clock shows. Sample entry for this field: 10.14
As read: 5.57
